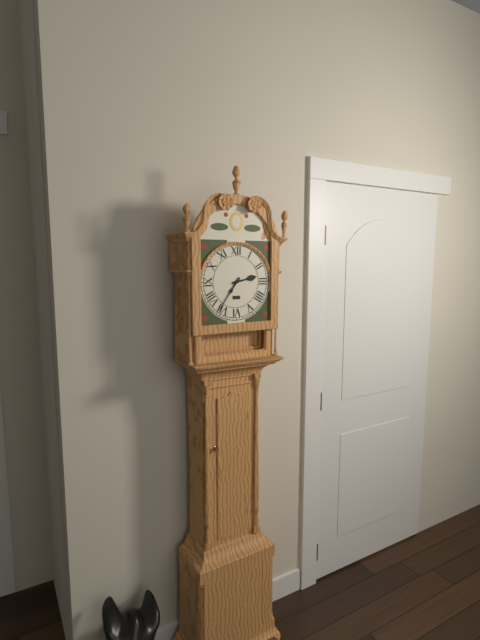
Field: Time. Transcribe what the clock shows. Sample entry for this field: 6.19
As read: 2.36
